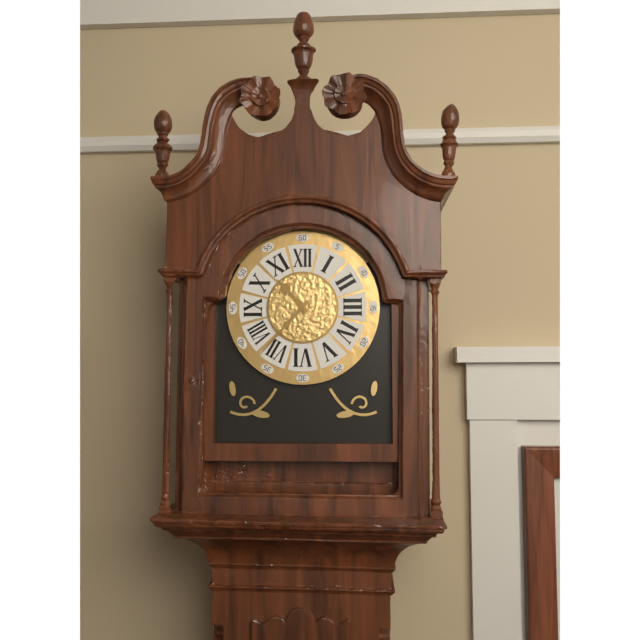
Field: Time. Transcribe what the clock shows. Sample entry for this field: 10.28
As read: 10.37
